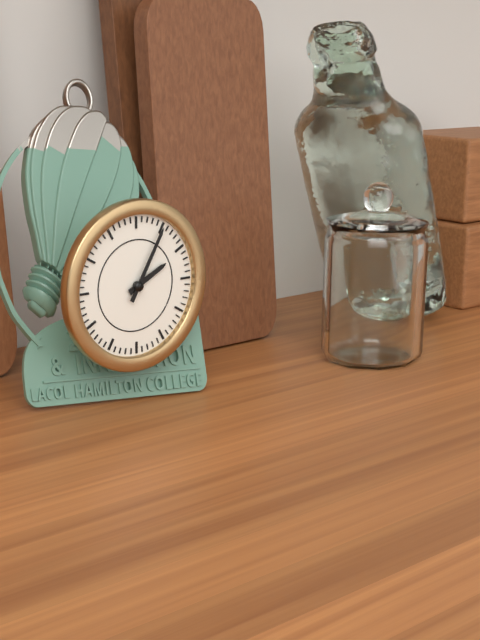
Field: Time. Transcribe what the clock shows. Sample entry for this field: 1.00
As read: 2.05
